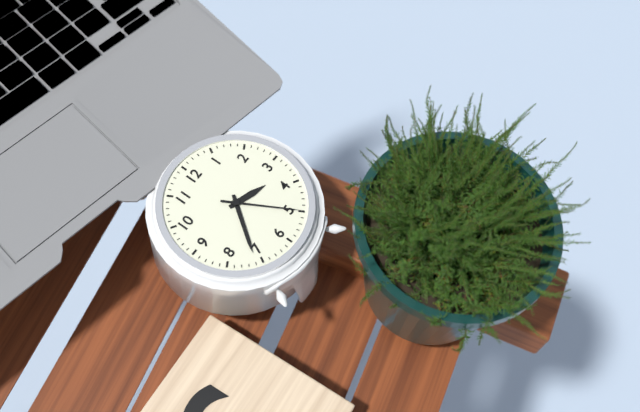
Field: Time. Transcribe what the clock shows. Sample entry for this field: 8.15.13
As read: 3.36.25
